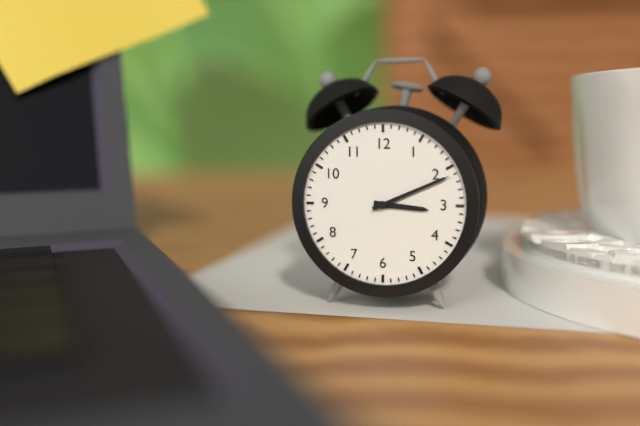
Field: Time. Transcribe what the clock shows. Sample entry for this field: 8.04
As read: 3.11
